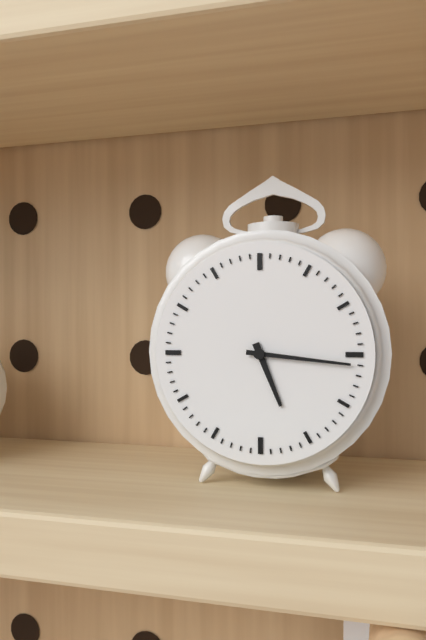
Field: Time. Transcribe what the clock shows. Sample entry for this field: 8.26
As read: 5.16
